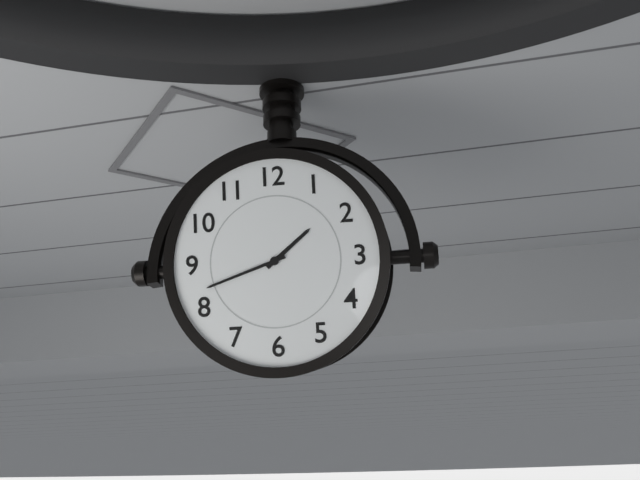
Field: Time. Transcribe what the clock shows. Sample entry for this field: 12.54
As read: 1.42
